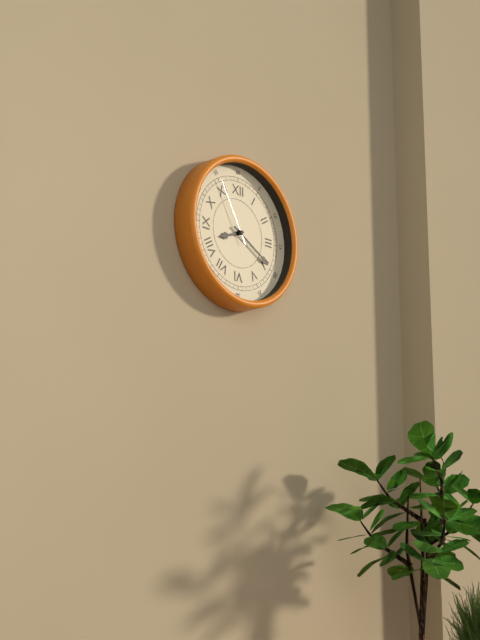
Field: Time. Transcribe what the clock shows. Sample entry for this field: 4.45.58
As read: 8.20.55
